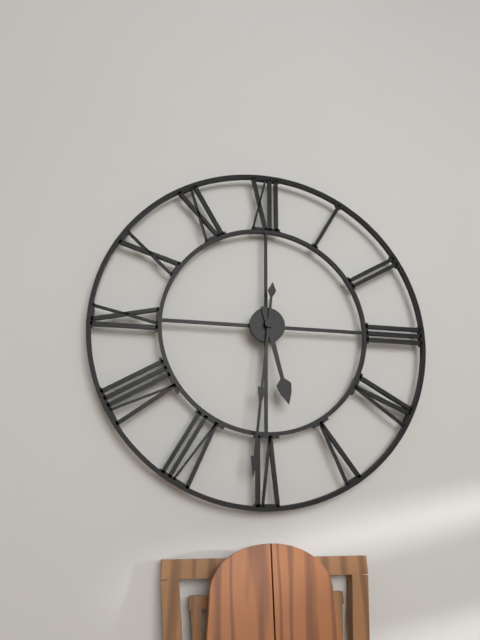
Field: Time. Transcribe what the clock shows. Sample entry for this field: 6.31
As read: 5.31
